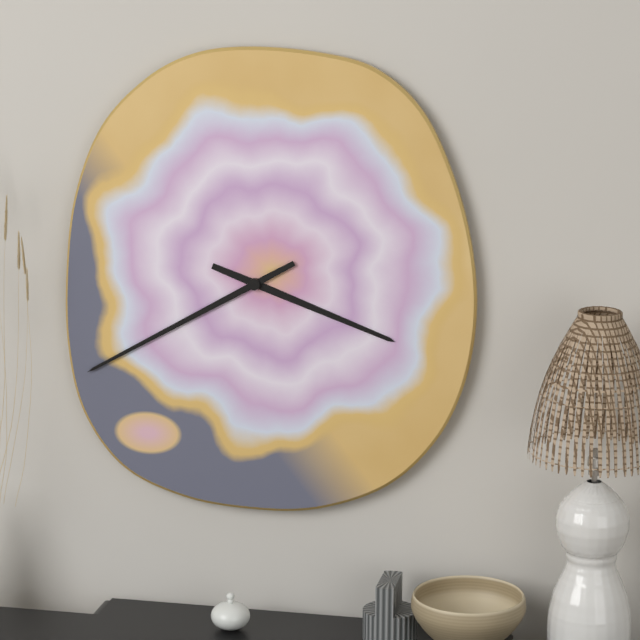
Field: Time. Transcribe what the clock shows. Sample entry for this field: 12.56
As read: 3.40
